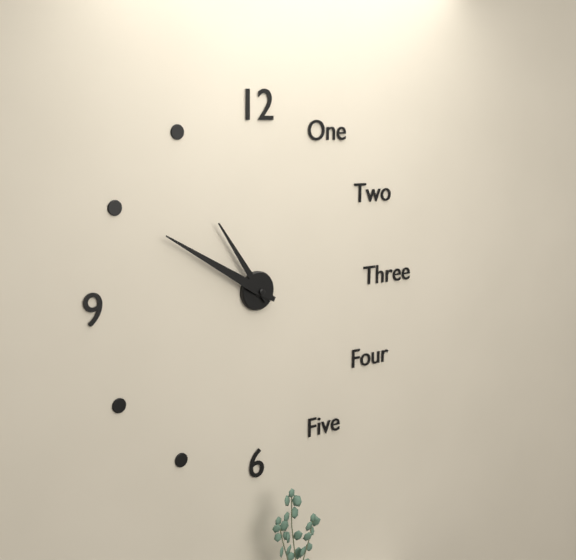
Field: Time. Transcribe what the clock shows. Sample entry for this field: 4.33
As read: 10.50
